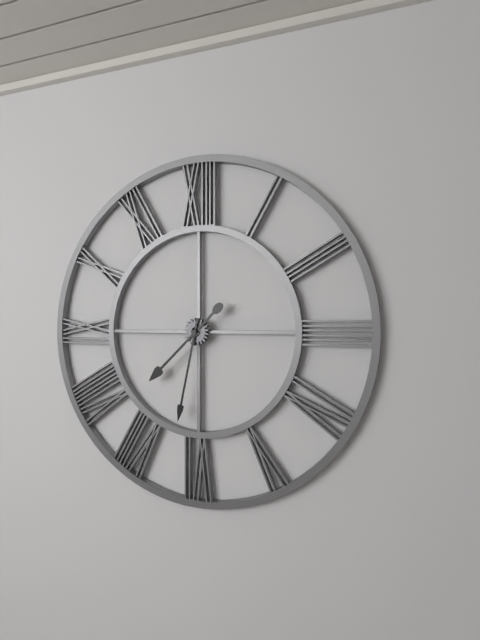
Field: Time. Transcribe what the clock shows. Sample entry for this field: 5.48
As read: 7.32
